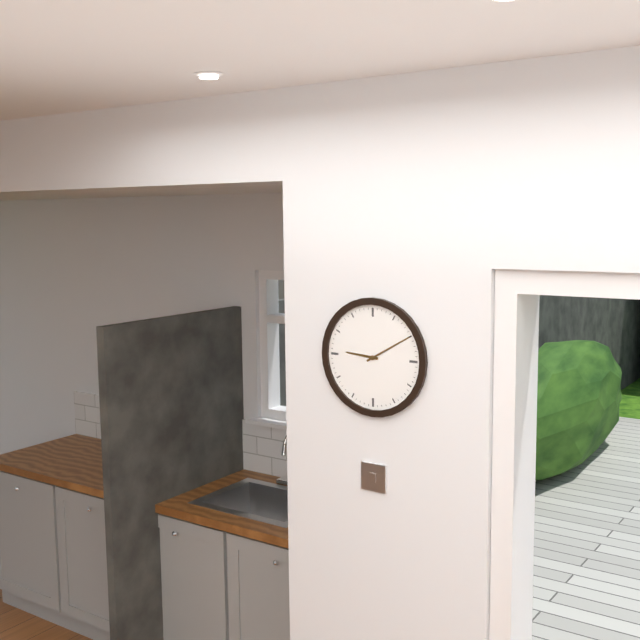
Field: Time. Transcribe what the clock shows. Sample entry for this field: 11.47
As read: 9.10
